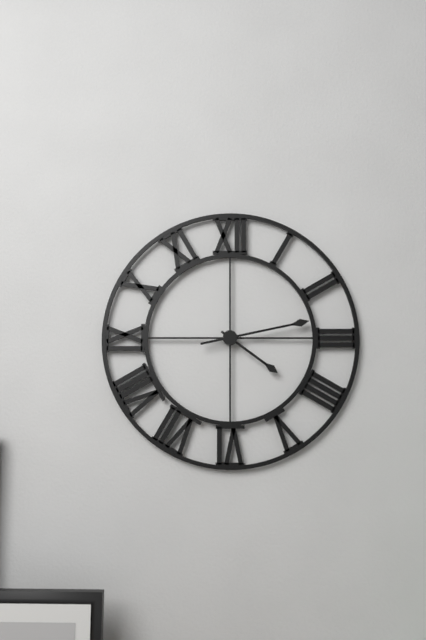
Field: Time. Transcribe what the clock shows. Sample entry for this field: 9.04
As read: 4.13
